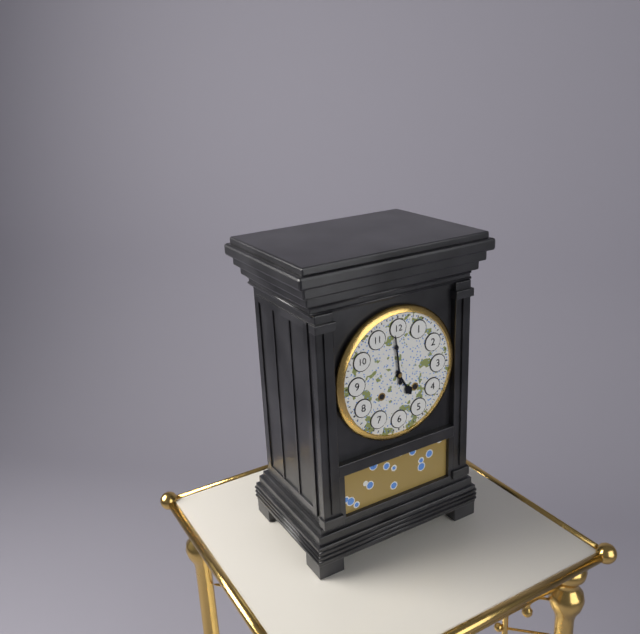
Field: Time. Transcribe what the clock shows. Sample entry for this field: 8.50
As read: 4.59
